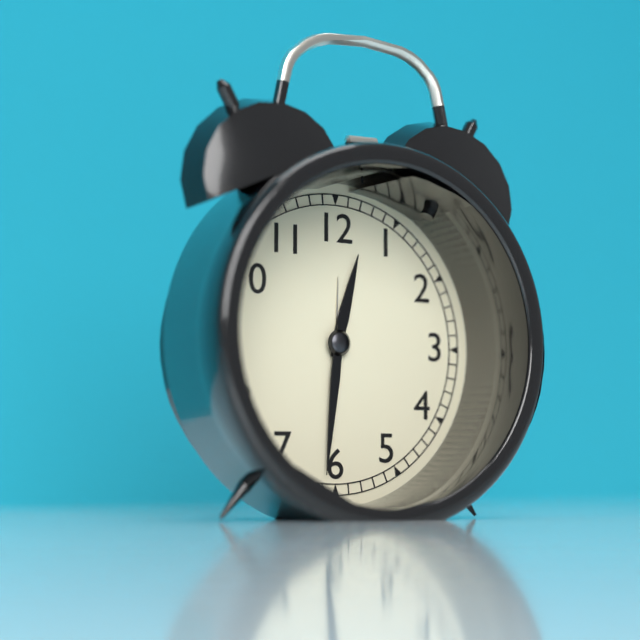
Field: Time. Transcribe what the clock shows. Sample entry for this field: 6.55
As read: 12.31
